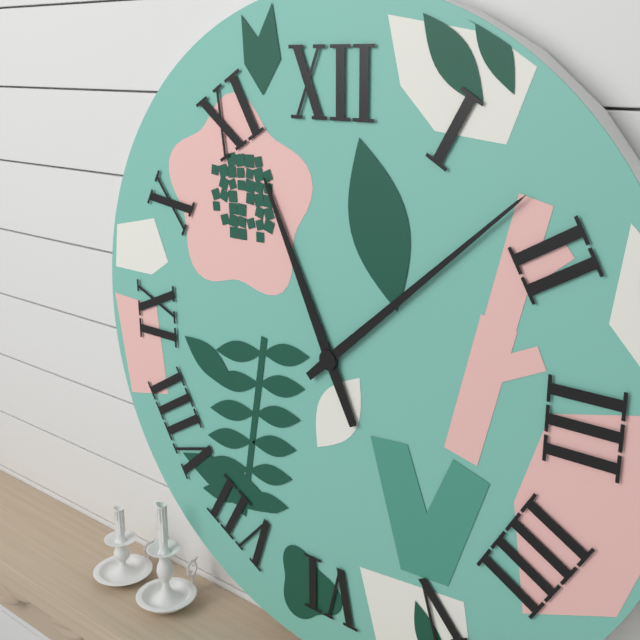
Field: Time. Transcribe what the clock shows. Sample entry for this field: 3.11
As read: 11.08
